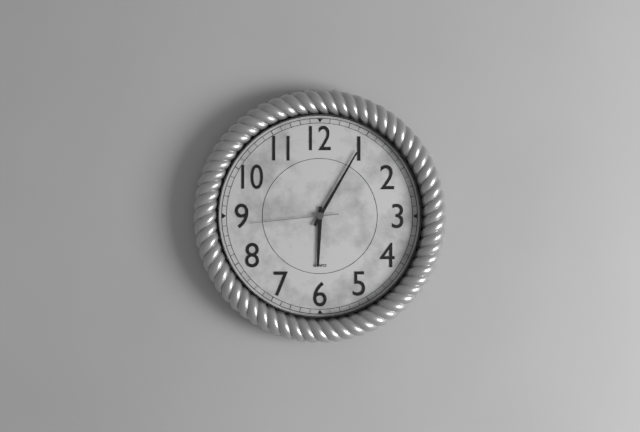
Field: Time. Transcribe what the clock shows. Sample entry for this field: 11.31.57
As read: 6.05.44
